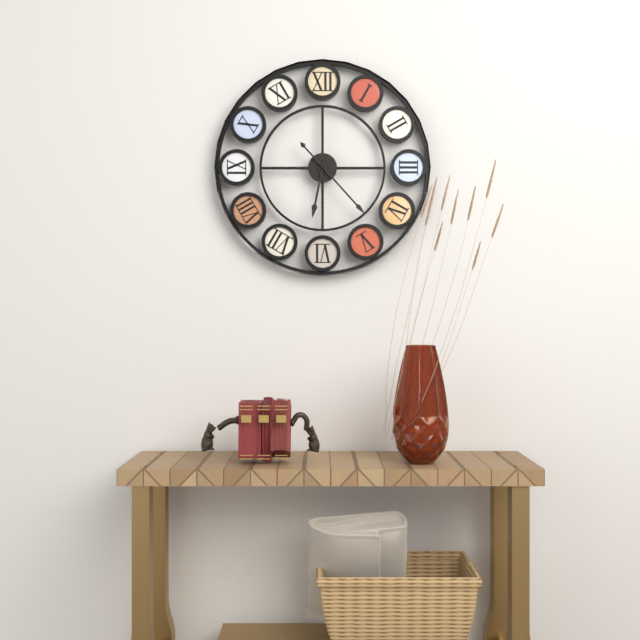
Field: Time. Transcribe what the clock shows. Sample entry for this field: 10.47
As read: 6.23
